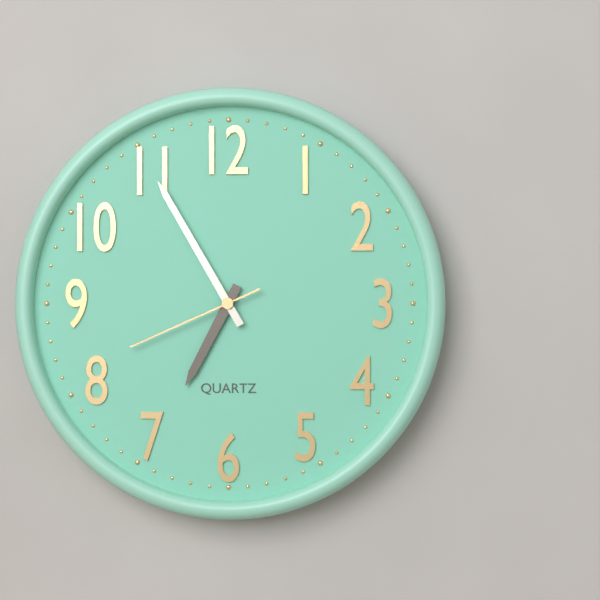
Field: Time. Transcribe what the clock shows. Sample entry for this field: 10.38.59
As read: 6.55.41
